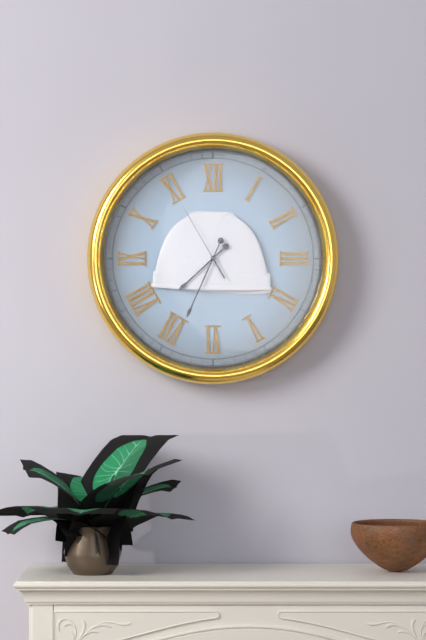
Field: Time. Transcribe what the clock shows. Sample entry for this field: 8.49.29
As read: 7.34.55
